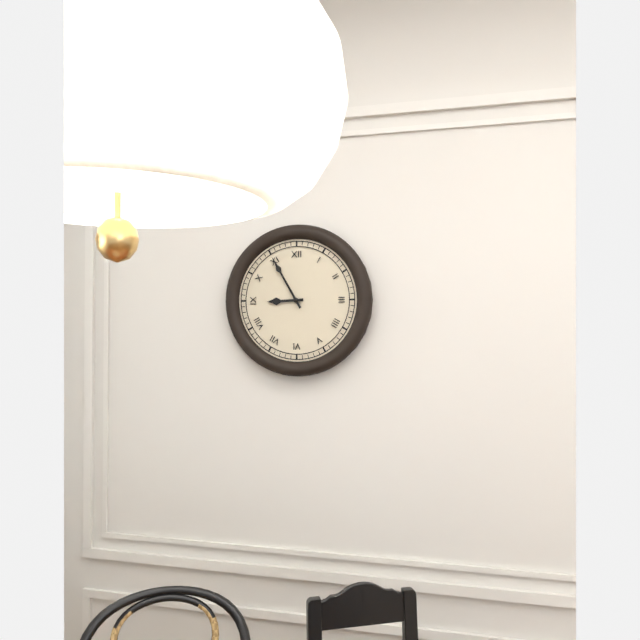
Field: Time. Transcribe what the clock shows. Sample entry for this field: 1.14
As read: 8.55
